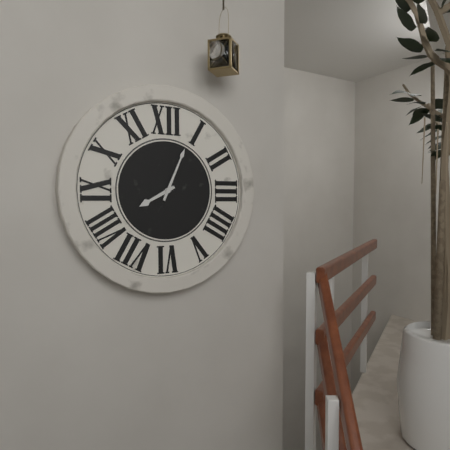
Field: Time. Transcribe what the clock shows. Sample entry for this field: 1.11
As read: 8.04
